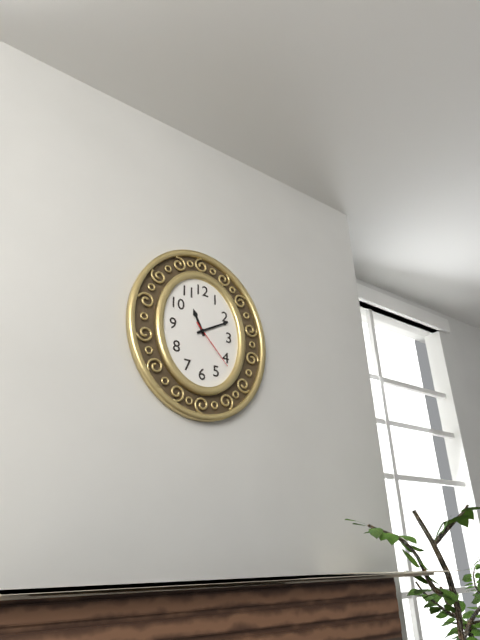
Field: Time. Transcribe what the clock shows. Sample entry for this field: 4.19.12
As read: 11.10.23
